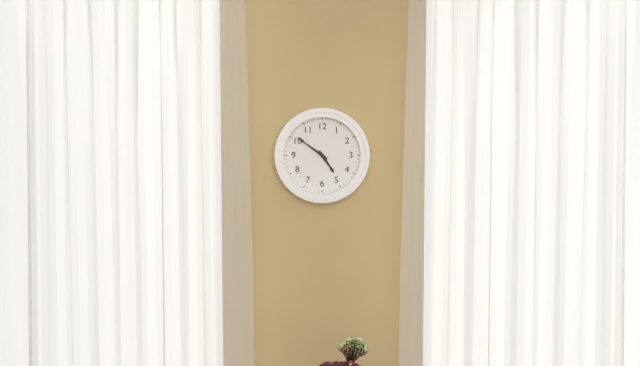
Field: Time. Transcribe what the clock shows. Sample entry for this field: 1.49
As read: 4.51
